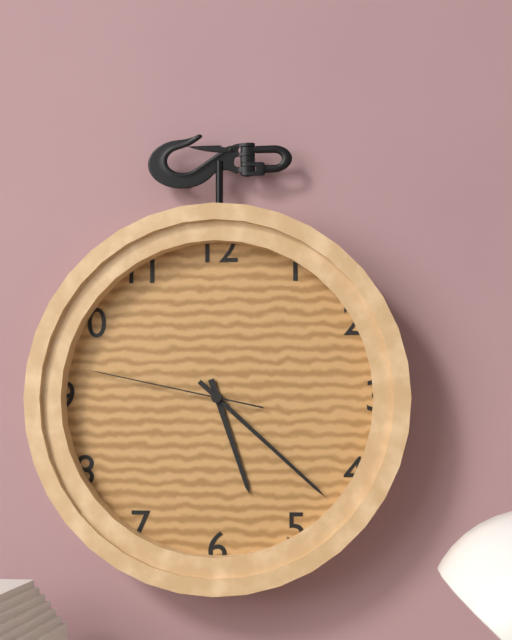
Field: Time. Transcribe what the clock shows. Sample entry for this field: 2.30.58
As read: 5.22.47
